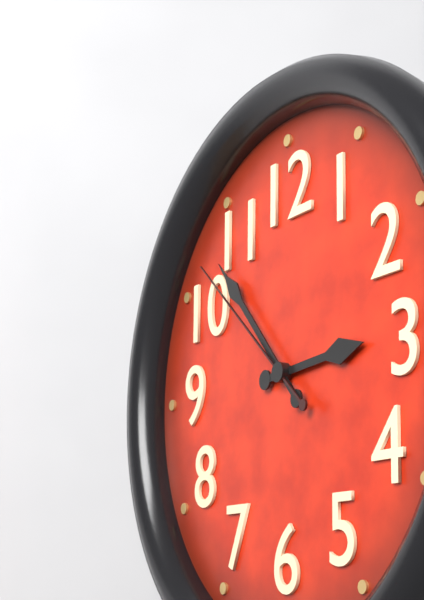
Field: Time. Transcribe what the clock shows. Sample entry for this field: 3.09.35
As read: 2.53.52
